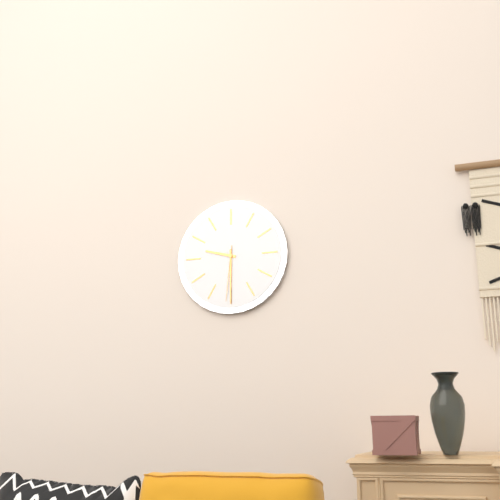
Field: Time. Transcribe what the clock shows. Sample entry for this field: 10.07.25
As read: 9.30.31
